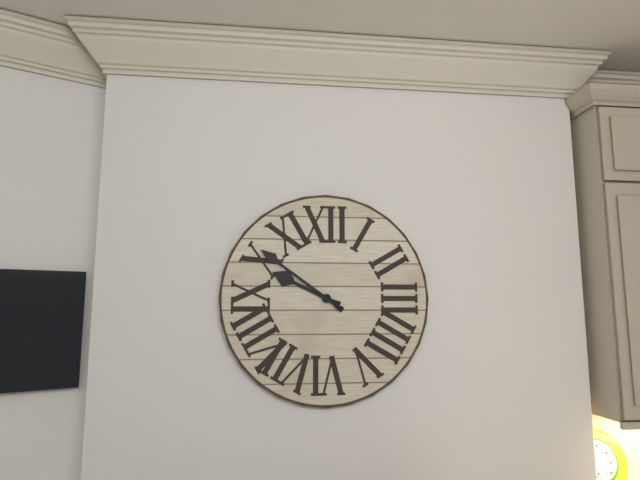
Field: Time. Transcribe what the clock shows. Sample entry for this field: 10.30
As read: 9.51
